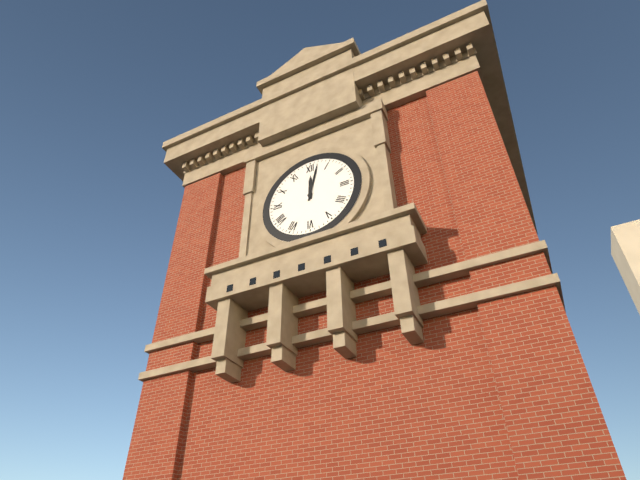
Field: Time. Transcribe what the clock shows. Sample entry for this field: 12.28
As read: 12.02
